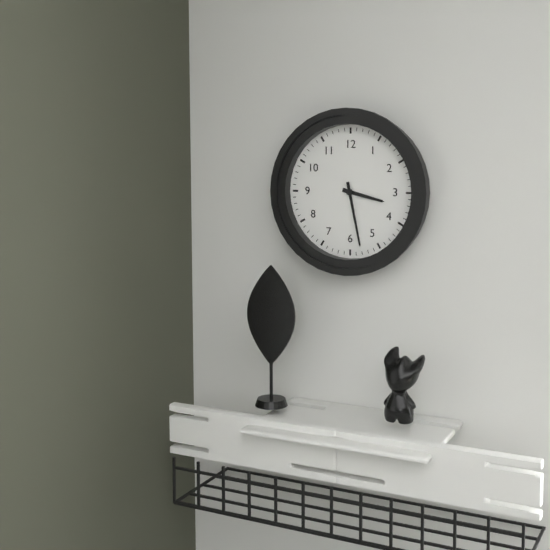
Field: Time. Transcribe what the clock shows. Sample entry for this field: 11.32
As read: 3.28
